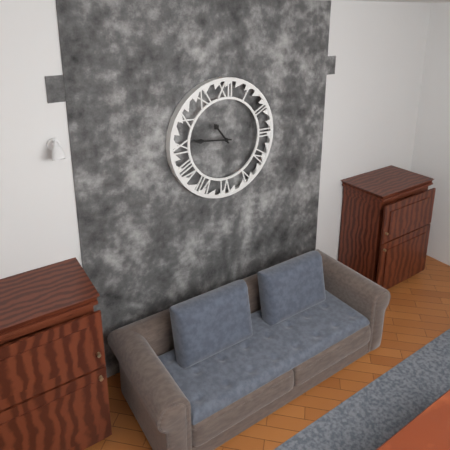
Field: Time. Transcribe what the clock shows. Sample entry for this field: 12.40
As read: 10.46
